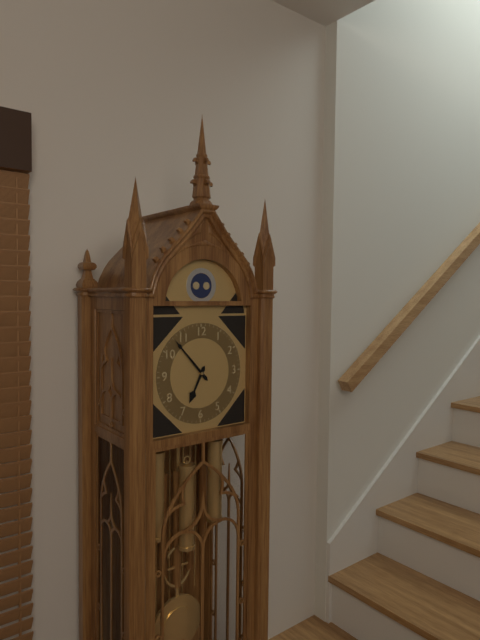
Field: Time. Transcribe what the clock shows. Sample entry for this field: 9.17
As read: 6.53
